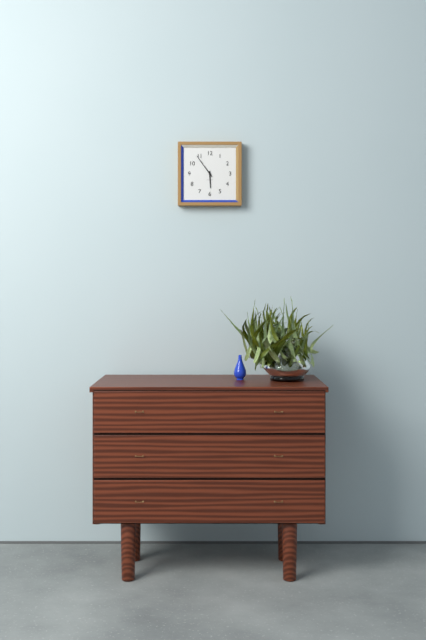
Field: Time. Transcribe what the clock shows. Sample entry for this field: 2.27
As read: 5.54
